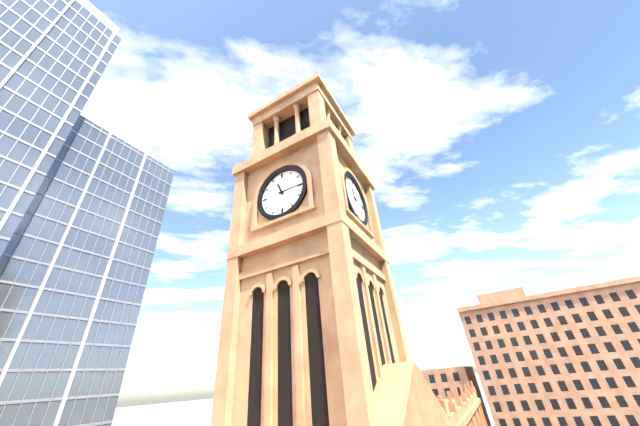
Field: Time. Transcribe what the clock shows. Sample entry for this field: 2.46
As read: 11.15
